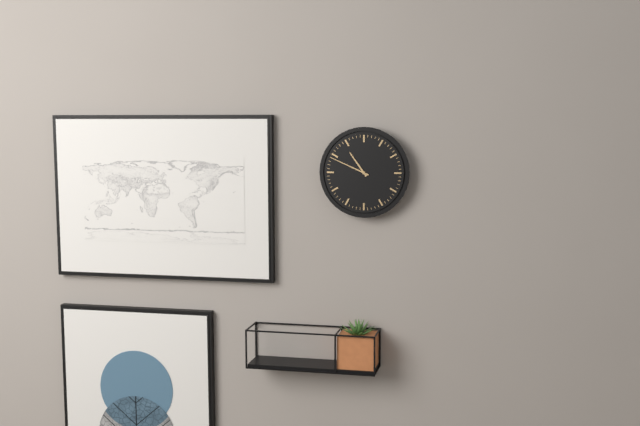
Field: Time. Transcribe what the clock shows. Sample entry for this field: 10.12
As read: 10.49
